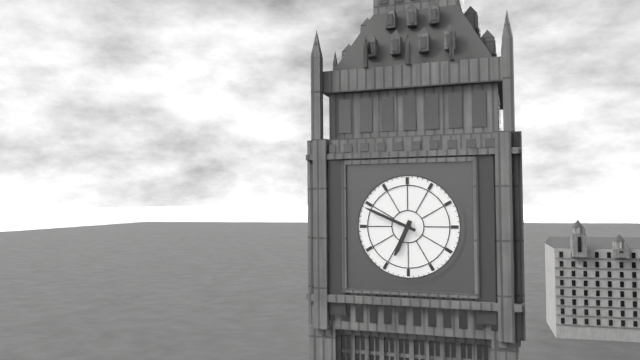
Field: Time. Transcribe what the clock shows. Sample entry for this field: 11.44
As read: 6.49
